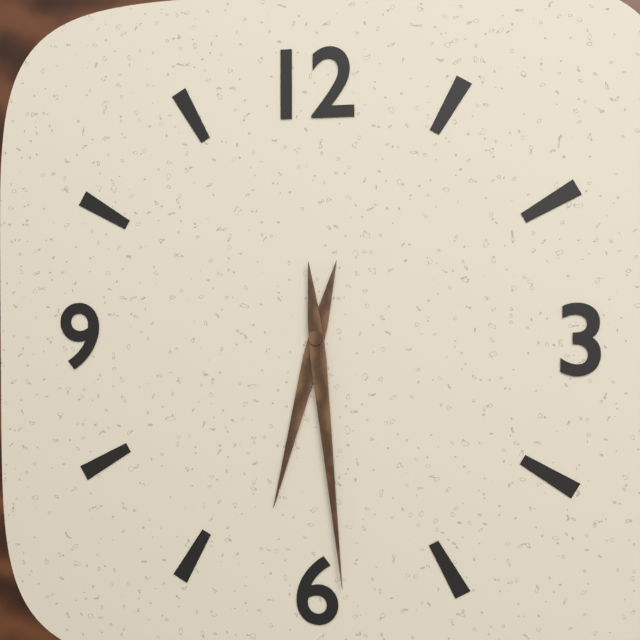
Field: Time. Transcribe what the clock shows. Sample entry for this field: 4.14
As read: 6.29
